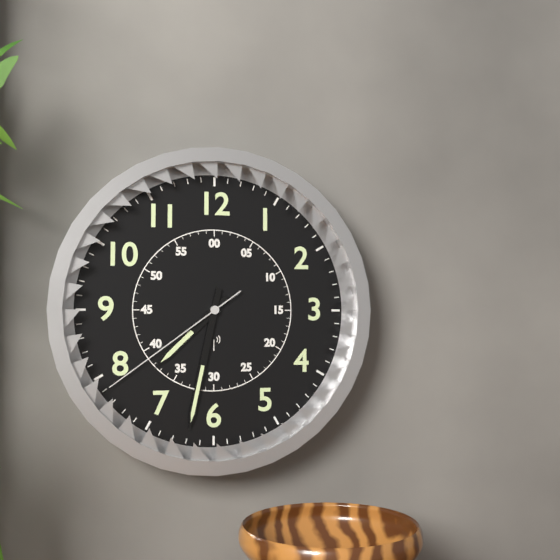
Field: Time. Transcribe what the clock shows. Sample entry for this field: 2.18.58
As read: 7.32.39
